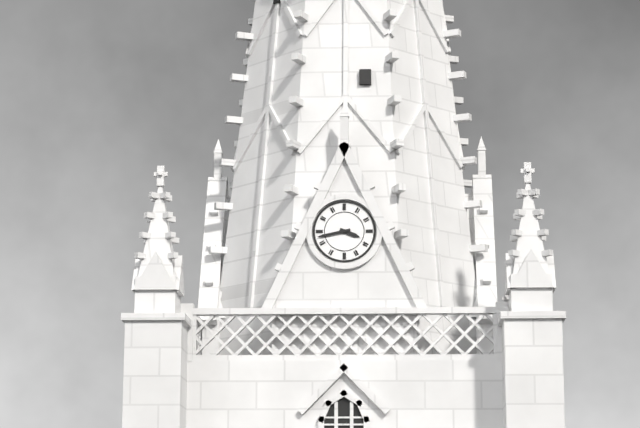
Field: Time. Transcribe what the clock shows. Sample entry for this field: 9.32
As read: 3.43
